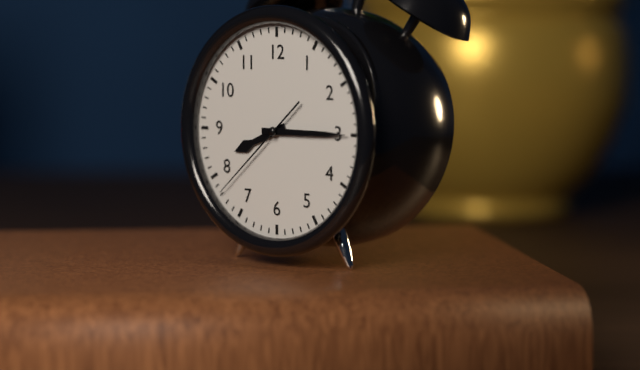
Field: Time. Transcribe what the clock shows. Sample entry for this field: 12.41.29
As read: 8.15.38
